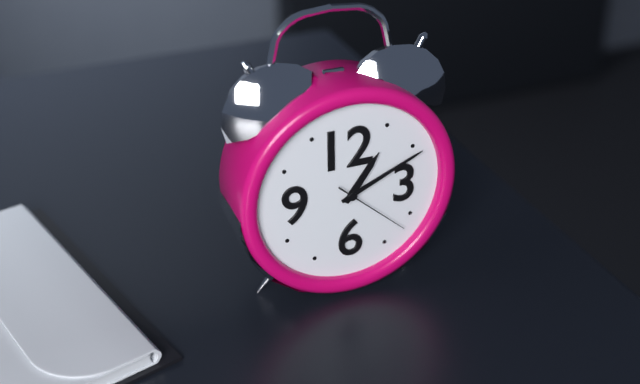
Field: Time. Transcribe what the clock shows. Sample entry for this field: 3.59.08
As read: 1.11.22
